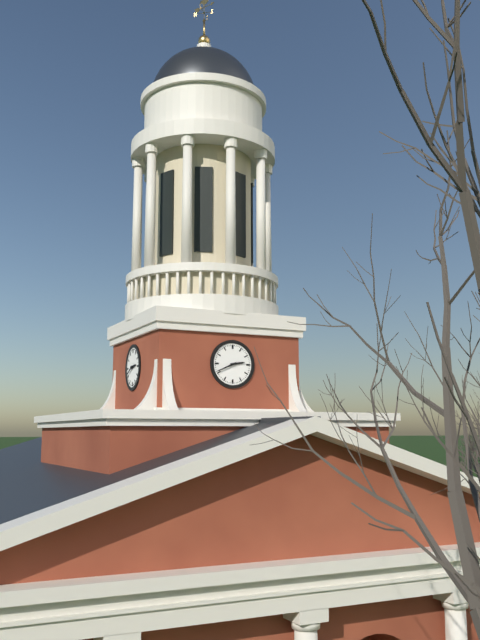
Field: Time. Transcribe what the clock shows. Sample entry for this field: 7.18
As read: 2.41
